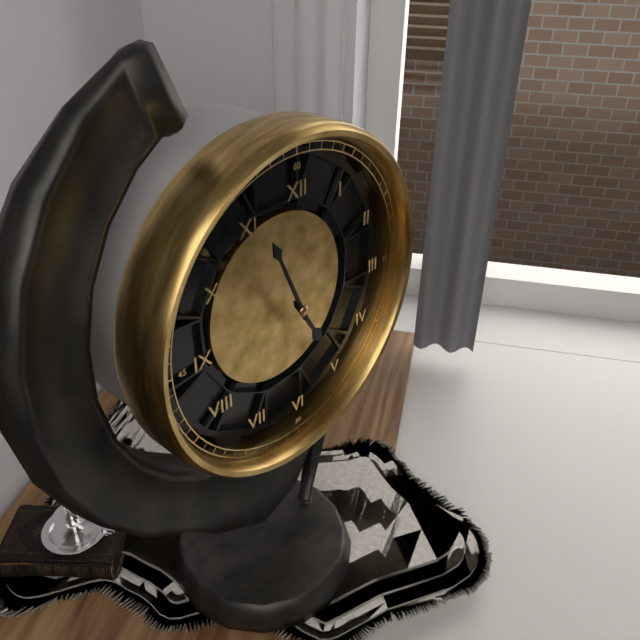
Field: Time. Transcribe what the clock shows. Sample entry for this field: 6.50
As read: 4.56
